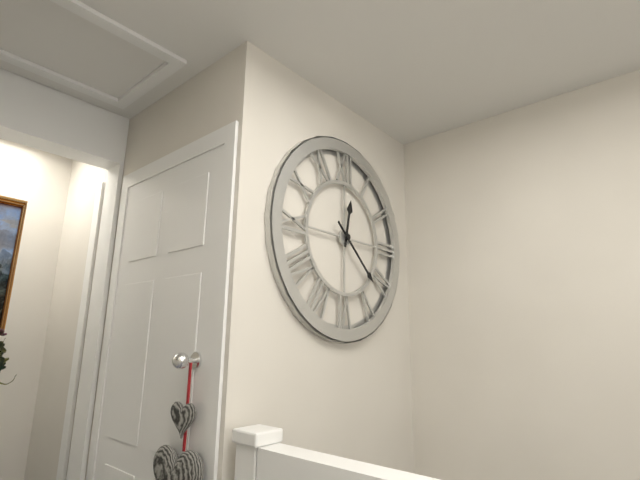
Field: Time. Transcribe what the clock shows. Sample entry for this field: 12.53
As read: 12.22
